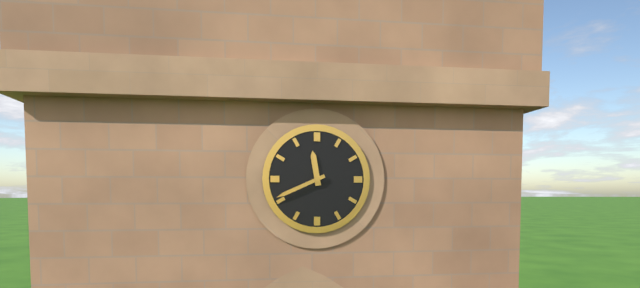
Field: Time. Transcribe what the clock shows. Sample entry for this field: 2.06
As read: 11.41
